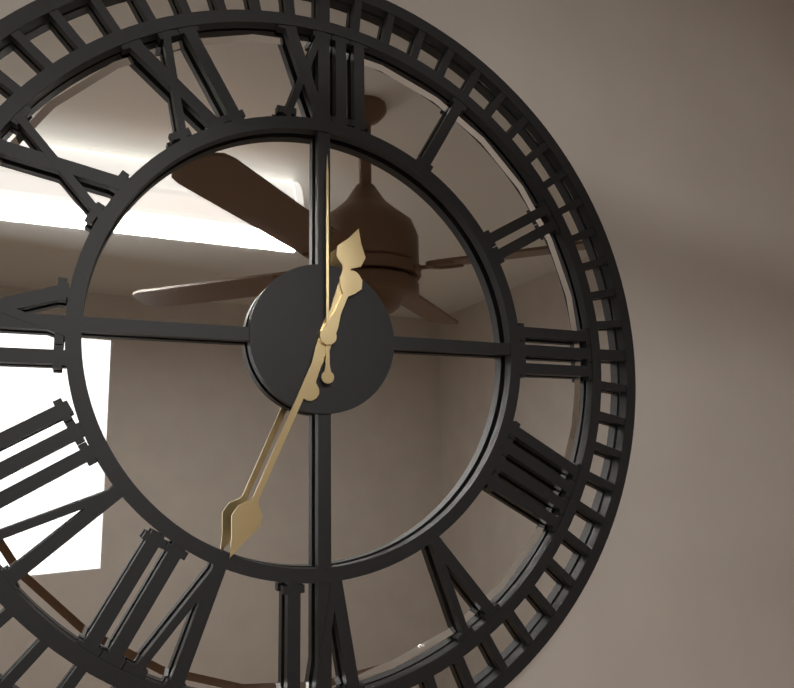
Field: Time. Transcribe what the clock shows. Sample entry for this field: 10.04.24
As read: 12.34.00
